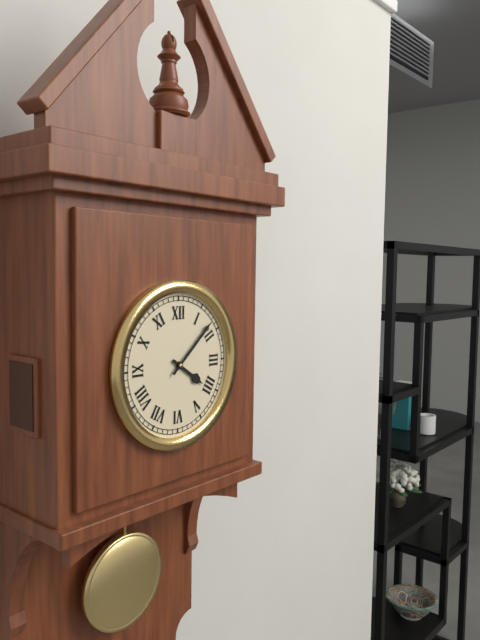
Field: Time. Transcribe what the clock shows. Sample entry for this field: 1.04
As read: 4.08
